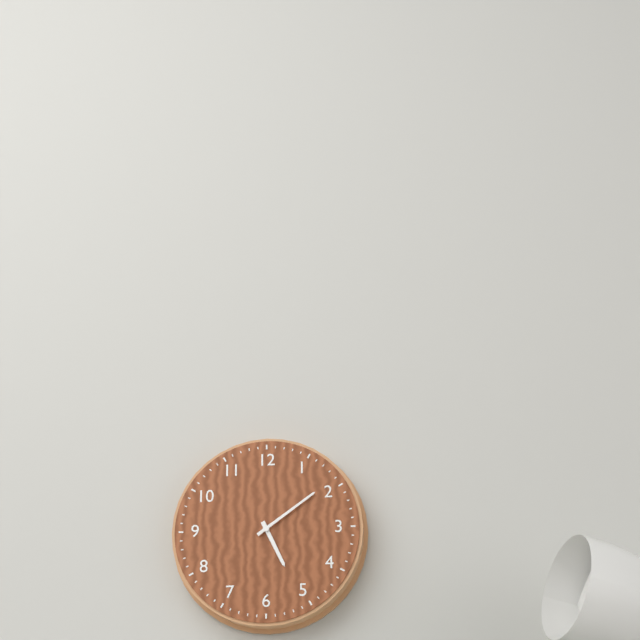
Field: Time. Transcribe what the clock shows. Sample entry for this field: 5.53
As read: 5.09
